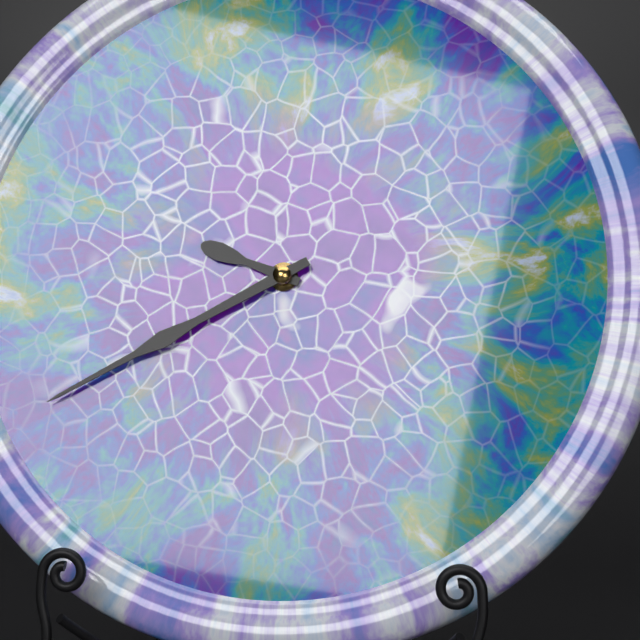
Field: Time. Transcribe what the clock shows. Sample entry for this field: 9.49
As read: 9.40
